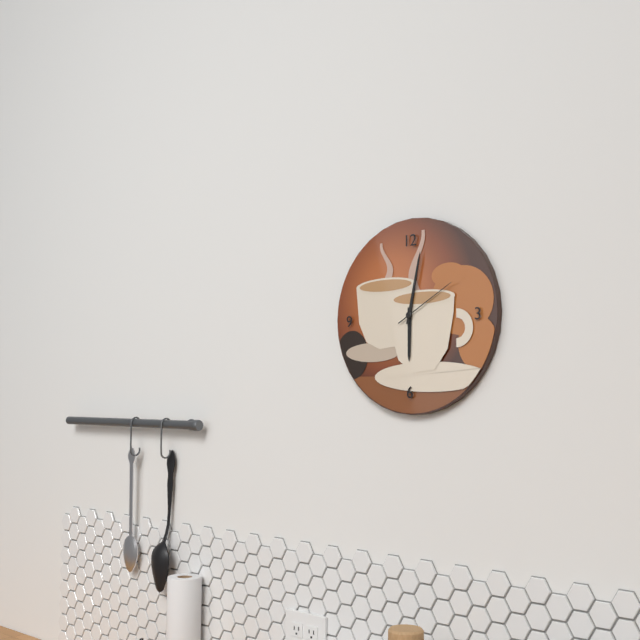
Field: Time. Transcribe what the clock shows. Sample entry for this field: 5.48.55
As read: 6.02.10
